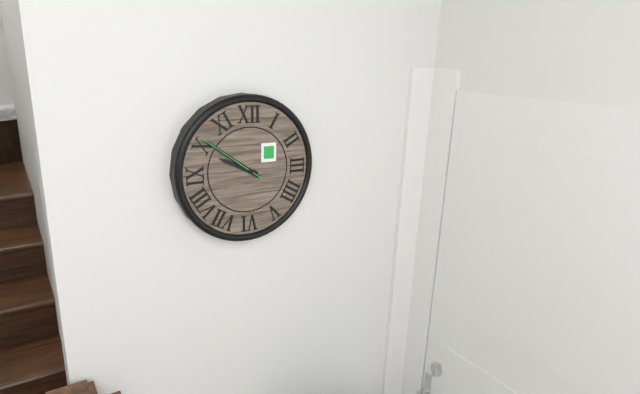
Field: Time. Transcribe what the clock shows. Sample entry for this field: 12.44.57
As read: 9.51.51
